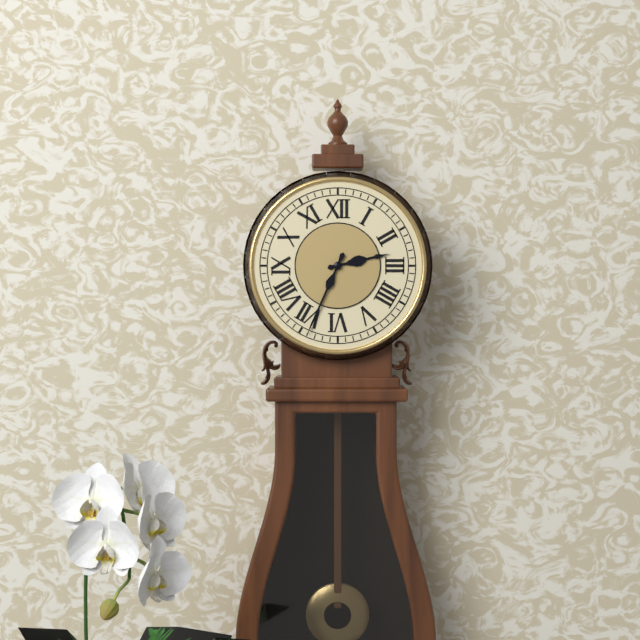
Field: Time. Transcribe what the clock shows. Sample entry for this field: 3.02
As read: 2.34
